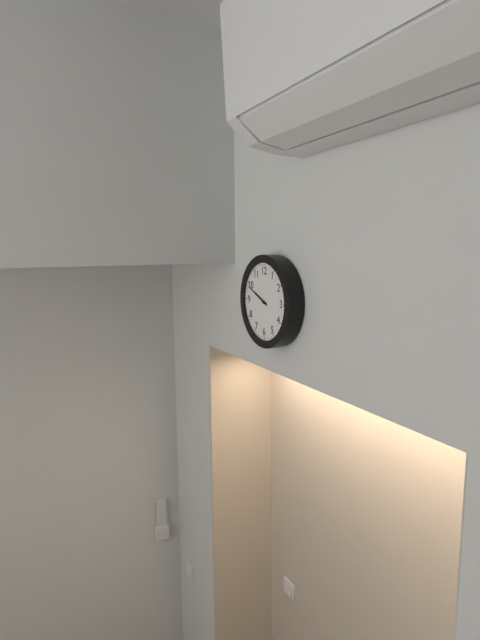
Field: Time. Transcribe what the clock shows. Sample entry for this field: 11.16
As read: 9.49
